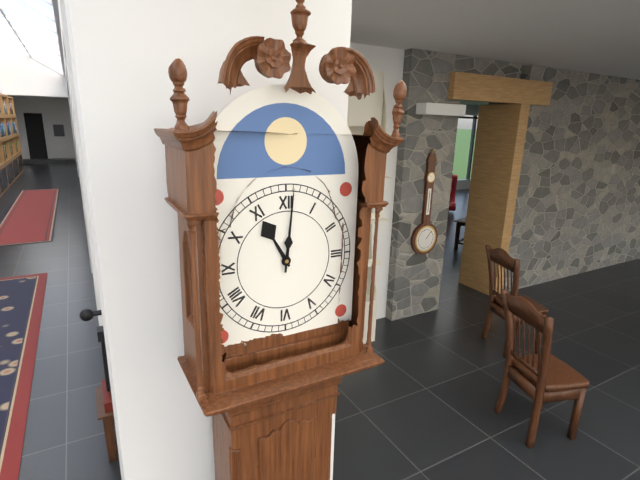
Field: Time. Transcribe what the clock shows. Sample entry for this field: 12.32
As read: 11.01
